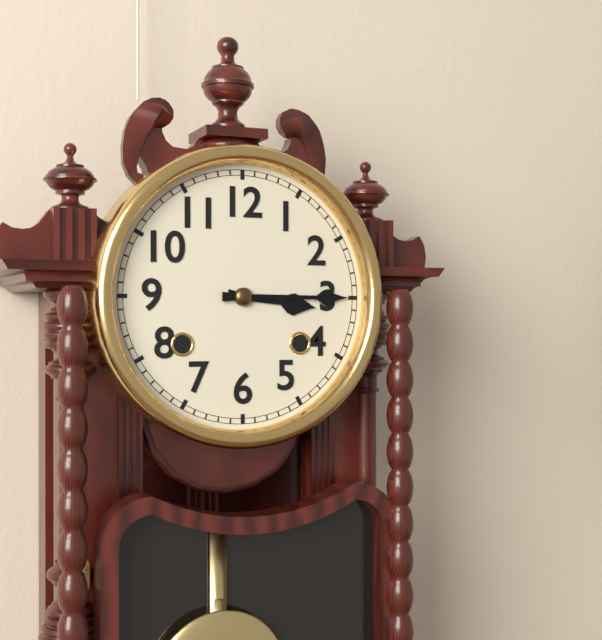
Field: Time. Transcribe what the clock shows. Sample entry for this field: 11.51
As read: 3.15
